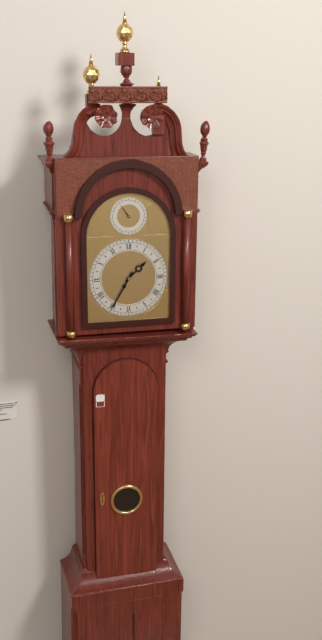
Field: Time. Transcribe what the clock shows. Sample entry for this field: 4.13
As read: 1.35
